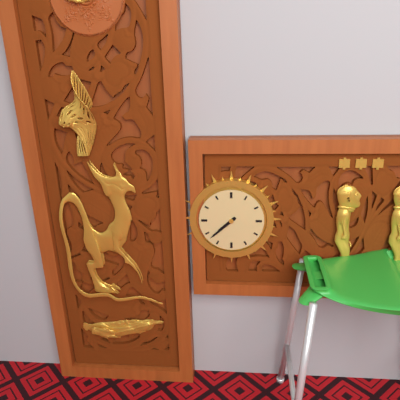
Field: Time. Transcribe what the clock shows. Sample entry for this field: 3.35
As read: 7.38
